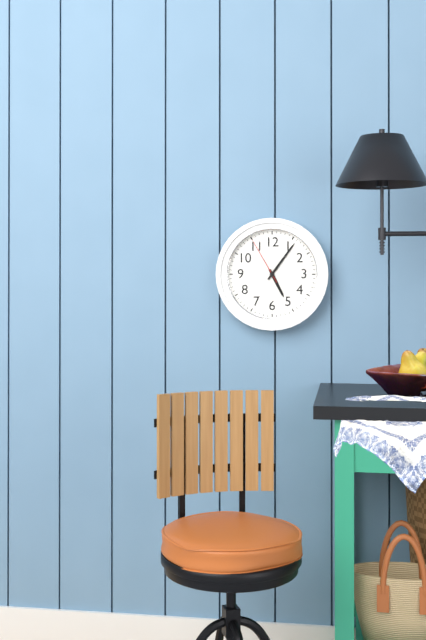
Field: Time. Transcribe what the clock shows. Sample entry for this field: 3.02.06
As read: 5.06.55
